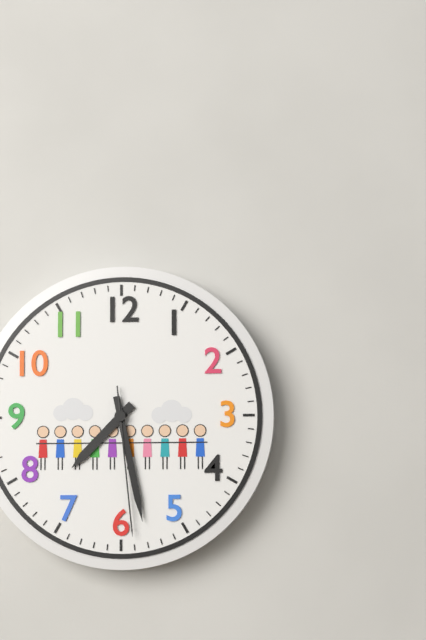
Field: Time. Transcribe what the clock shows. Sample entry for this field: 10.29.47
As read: 7.28.29
